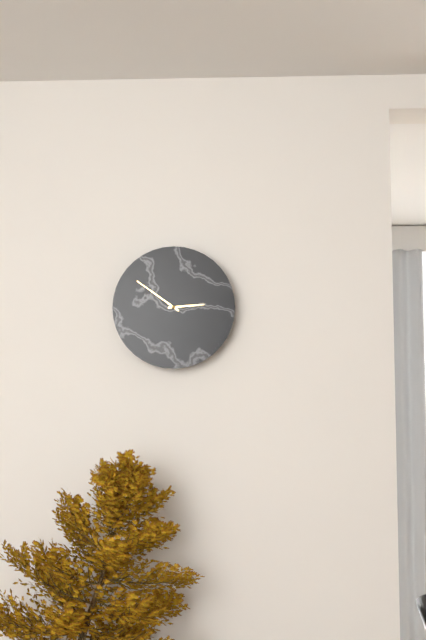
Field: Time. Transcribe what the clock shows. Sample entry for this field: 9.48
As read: 2.51
